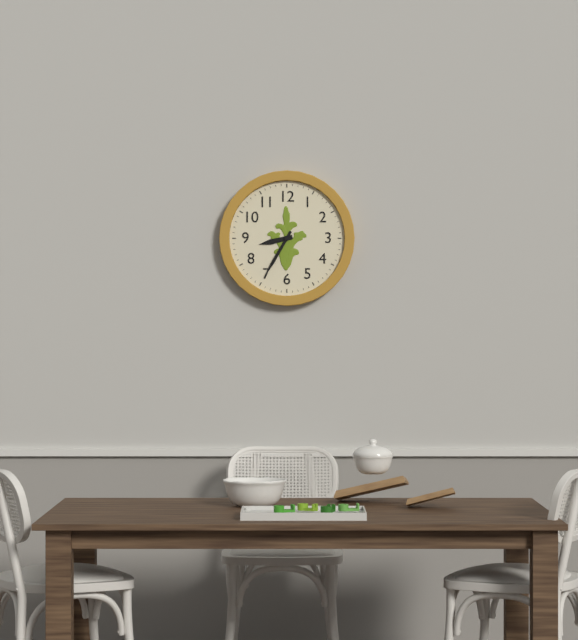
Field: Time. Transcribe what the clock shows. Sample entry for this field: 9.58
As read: 8.35
